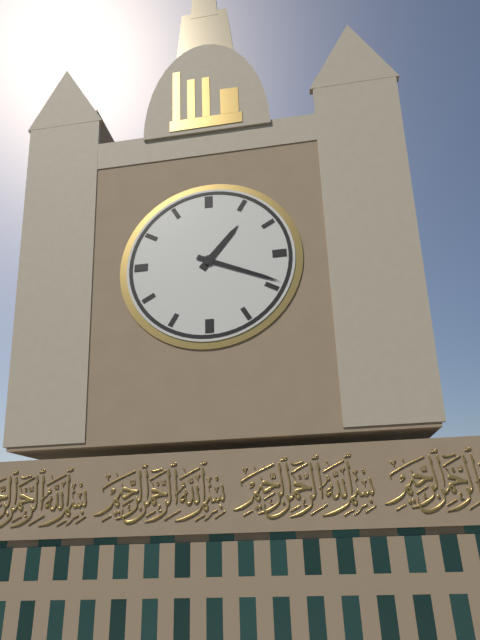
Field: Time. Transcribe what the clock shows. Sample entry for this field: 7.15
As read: 1.19
